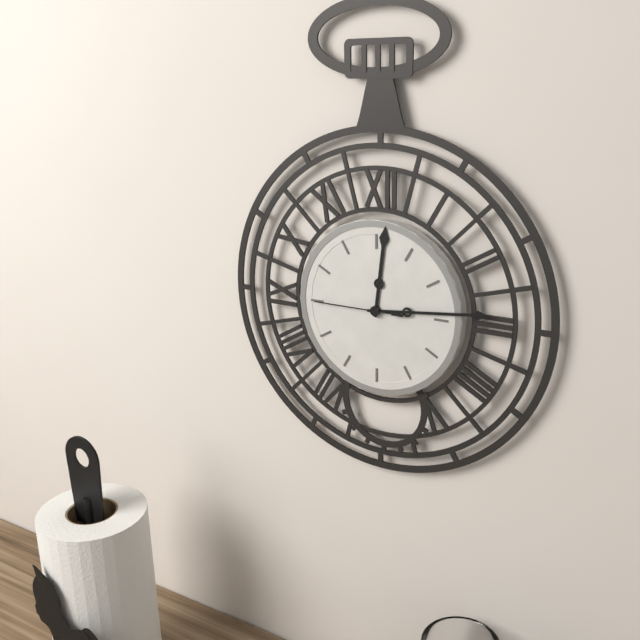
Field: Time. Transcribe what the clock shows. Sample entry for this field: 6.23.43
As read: 12.14.45
